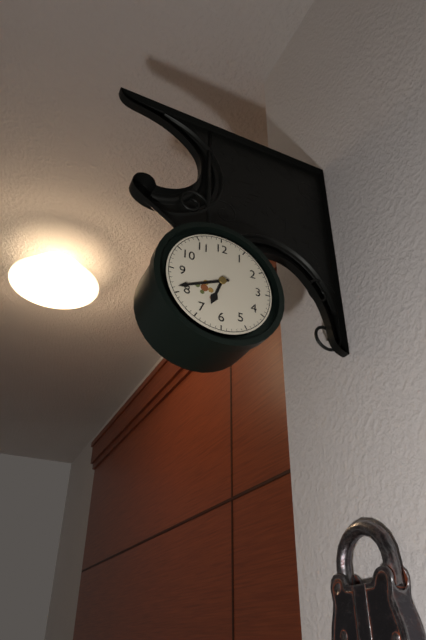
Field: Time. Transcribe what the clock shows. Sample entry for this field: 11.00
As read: 6.41
